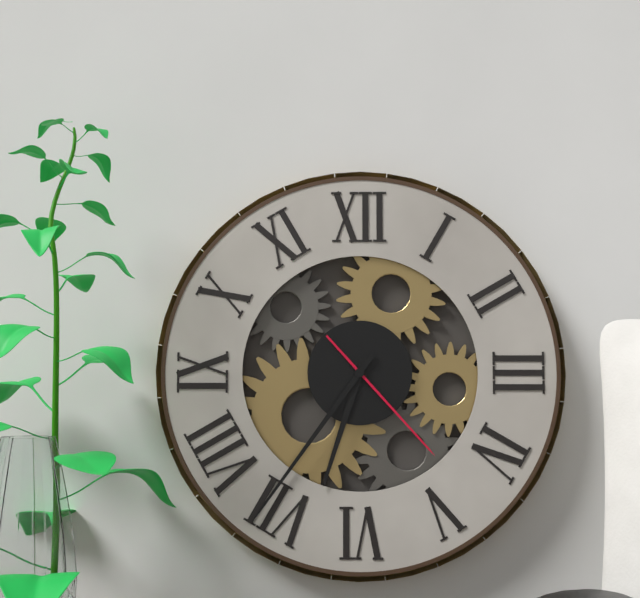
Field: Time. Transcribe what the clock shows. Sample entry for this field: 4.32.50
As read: 6.36.23
